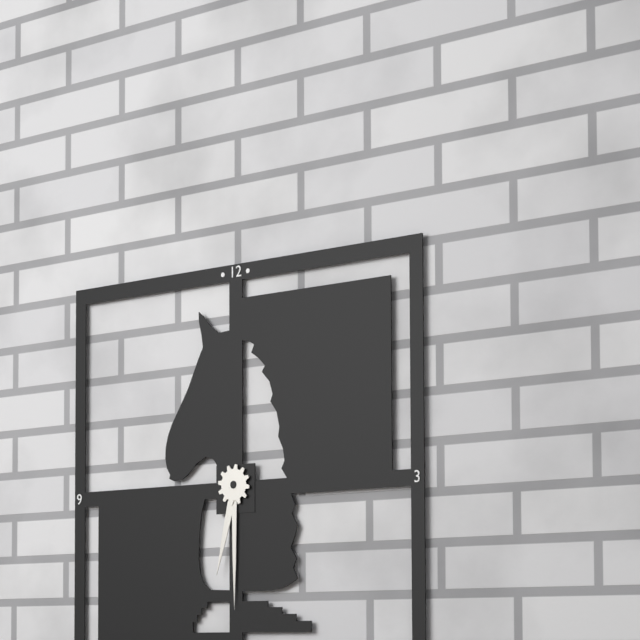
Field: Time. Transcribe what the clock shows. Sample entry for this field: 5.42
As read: 6.30
